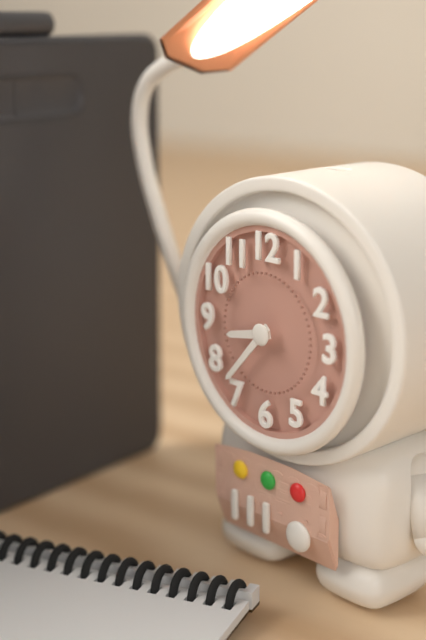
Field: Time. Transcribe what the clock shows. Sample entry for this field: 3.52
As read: 8.37
